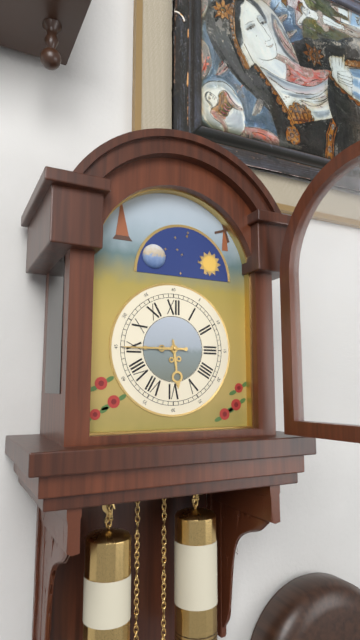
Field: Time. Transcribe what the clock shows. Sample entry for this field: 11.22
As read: 5.45
